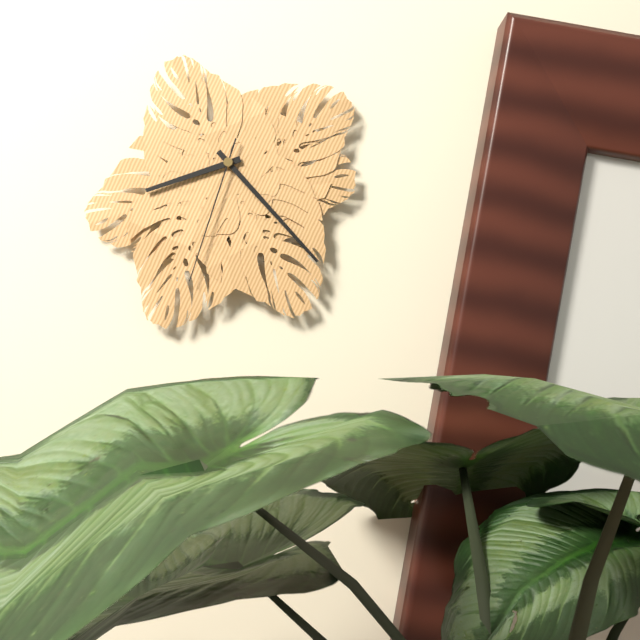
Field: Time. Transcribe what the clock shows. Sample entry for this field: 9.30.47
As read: 8.23.33
